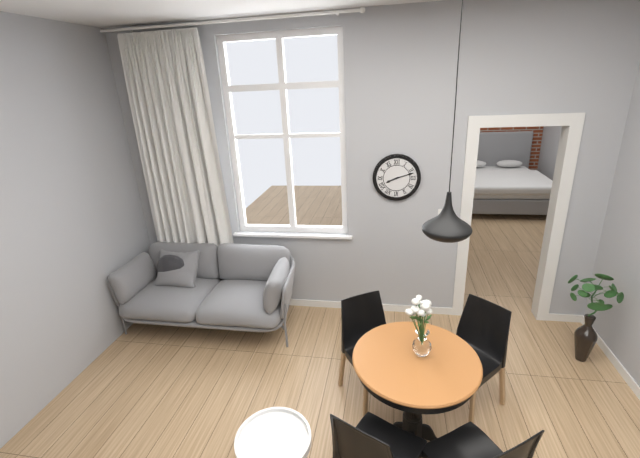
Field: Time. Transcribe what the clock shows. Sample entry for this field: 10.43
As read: 8.12
